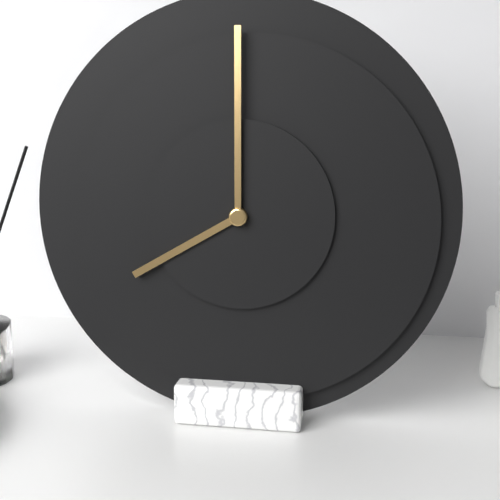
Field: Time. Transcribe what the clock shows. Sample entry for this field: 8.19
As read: 8.00
